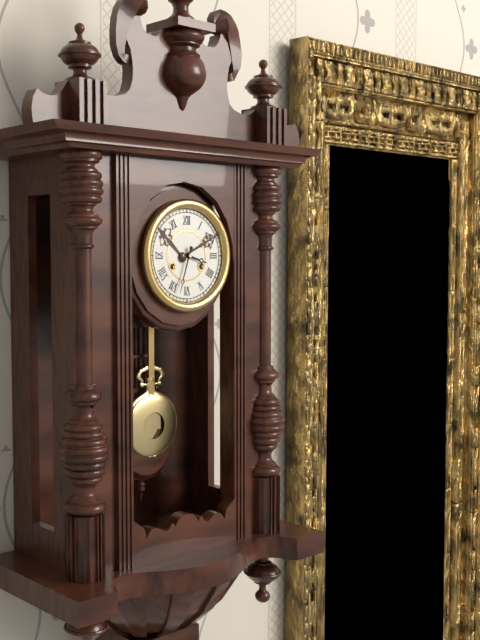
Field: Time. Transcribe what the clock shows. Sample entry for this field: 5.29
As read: 3.33
